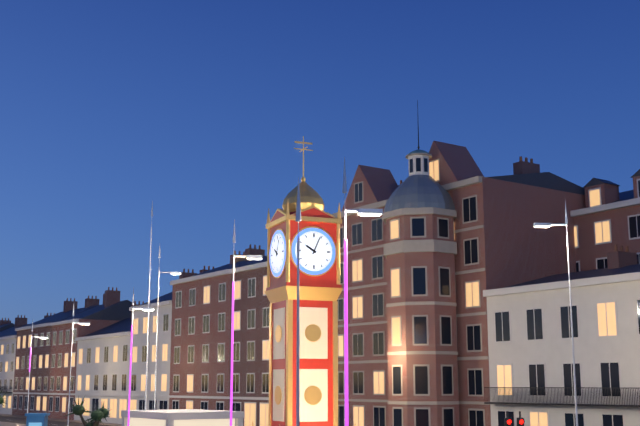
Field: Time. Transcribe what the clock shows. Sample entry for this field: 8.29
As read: 10.04
